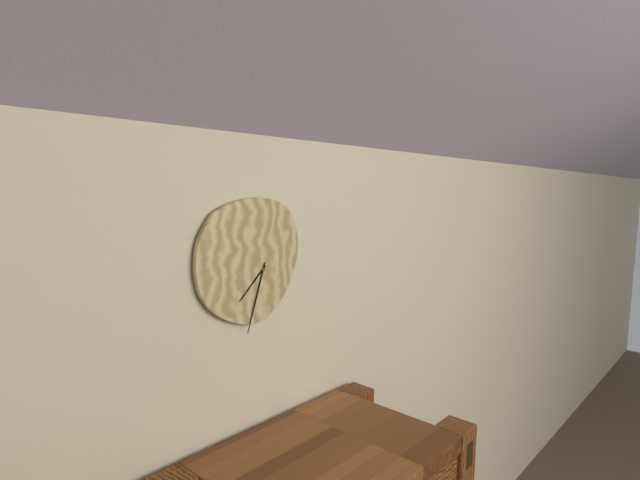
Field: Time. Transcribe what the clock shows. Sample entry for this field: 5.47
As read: 7.33
